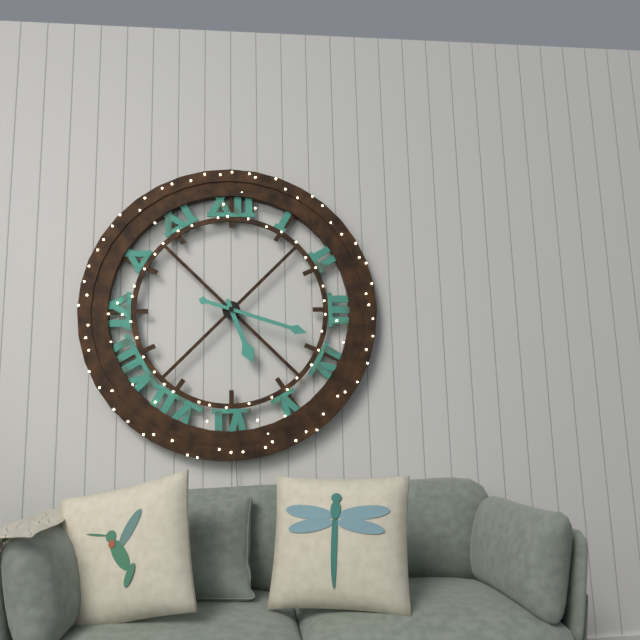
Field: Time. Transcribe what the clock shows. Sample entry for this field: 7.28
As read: 5.18
